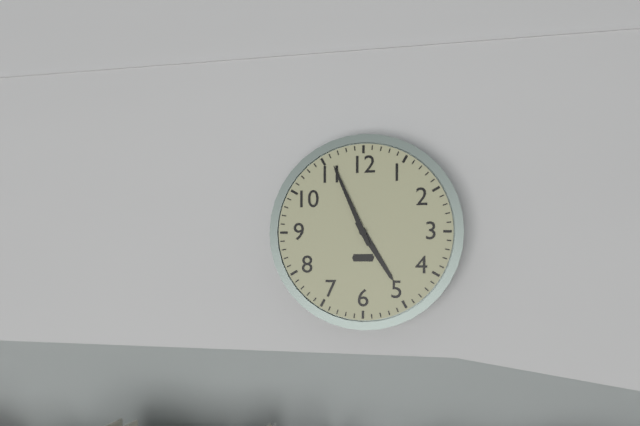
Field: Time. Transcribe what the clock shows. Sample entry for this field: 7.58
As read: 4.56
